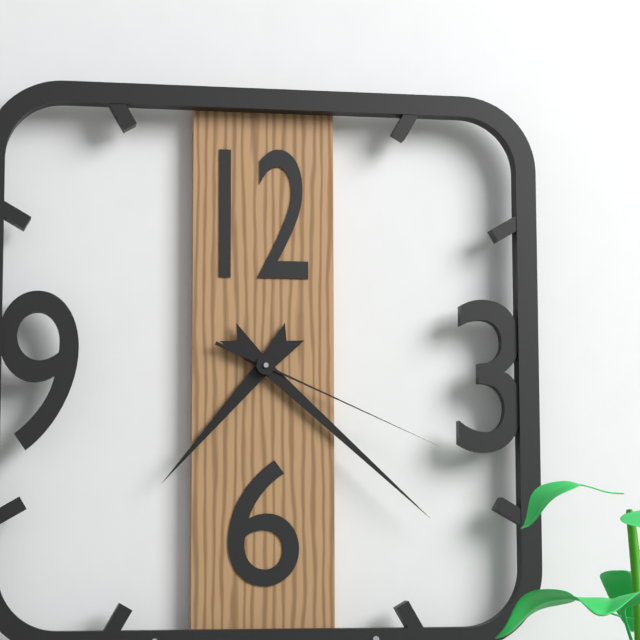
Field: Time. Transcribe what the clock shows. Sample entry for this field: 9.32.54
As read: 7.22.19
